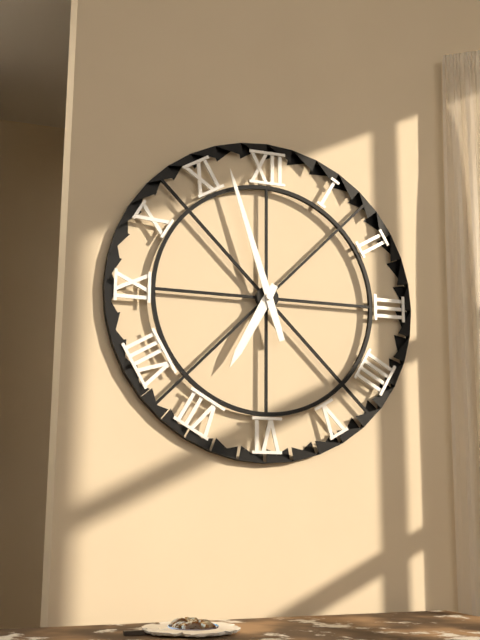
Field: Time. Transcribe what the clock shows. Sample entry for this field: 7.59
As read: 6.57
